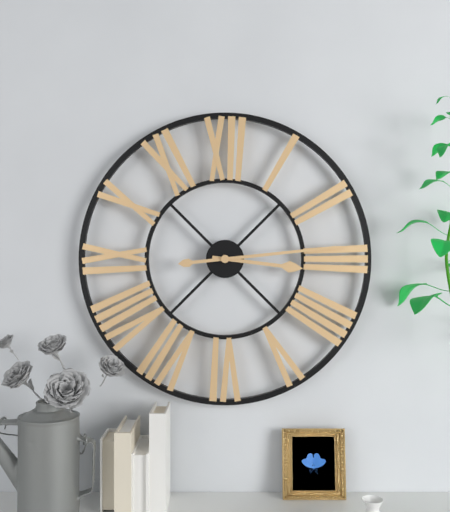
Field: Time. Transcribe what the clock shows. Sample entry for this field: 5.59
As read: 3.14
